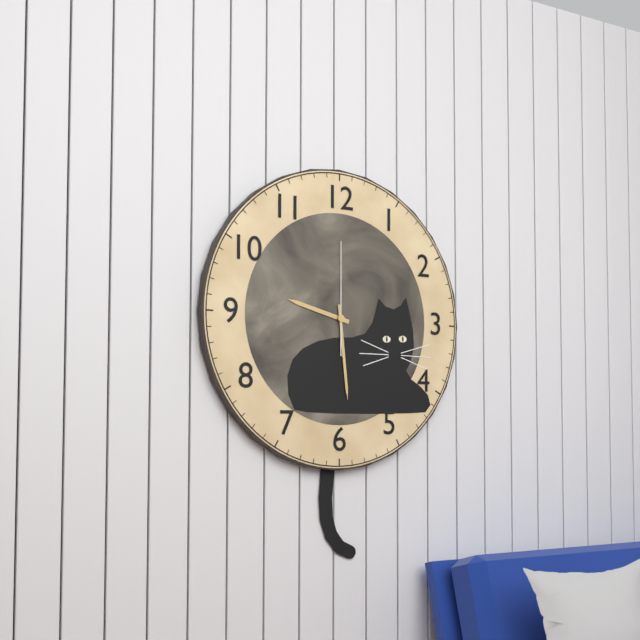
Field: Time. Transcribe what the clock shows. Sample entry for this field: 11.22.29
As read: 9.29.00
